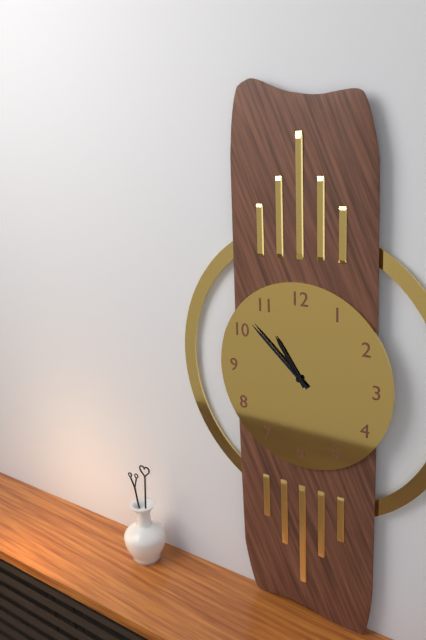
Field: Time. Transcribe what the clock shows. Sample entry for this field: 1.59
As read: 10.52
